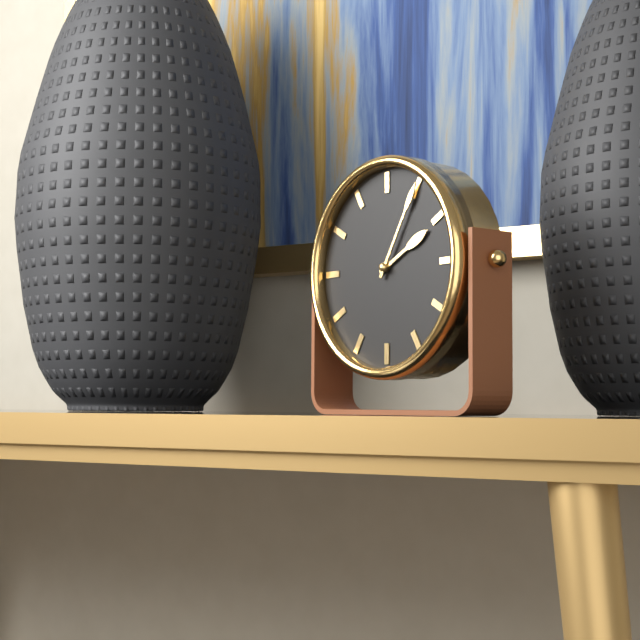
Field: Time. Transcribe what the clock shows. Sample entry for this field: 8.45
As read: 2.05
